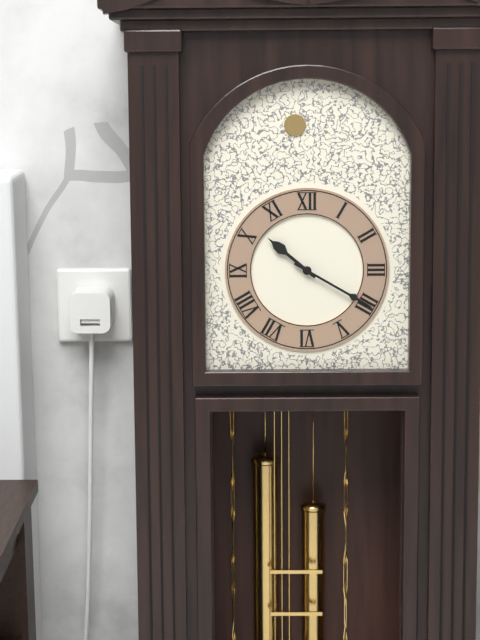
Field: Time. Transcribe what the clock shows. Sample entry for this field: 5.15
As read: 10.20
